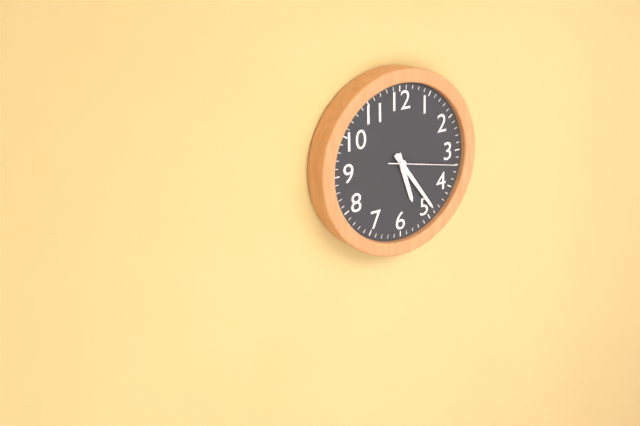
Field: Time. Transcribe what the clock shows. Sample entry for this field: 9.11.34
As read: 5.24.17
